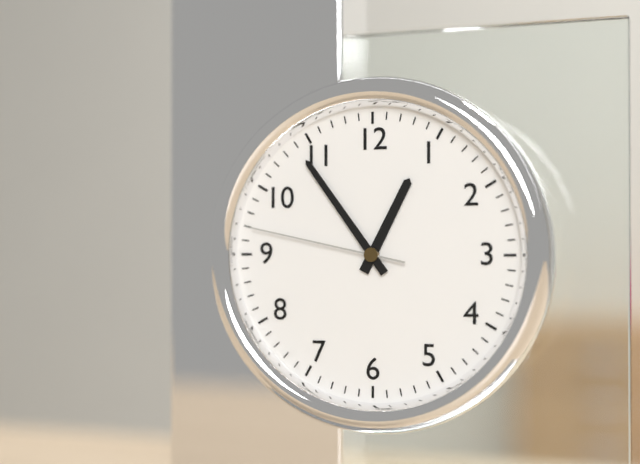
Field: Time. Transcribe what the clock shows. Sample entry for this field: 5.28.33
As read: 12.54.47
